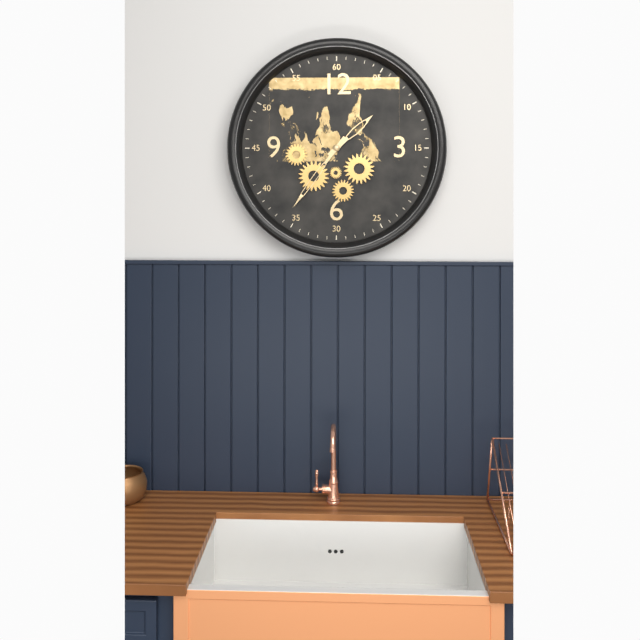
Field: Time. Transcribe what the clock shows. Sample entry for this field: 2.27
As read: 1.36
